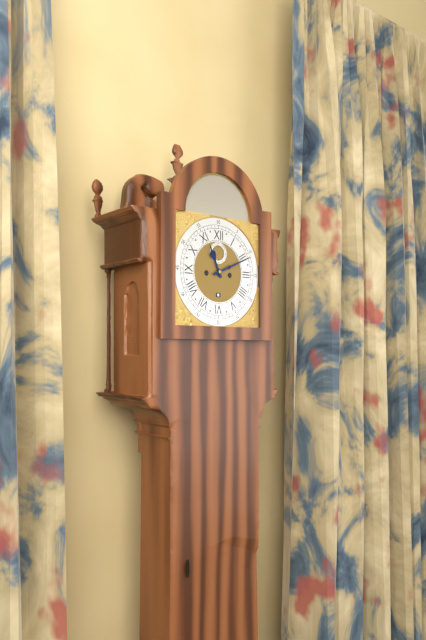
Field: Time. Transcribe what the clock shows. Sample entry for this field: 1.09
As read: 11.11
